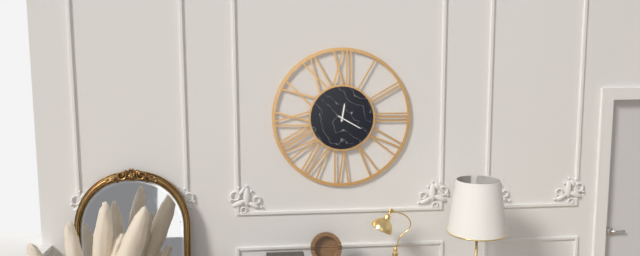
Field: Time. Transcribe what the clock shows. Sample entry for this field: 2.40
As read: 12.20
